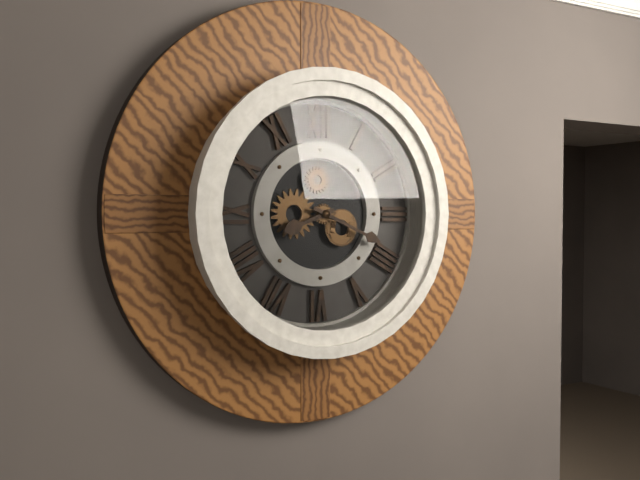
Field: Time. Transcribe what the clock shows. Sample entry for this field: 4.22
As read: 8.19
